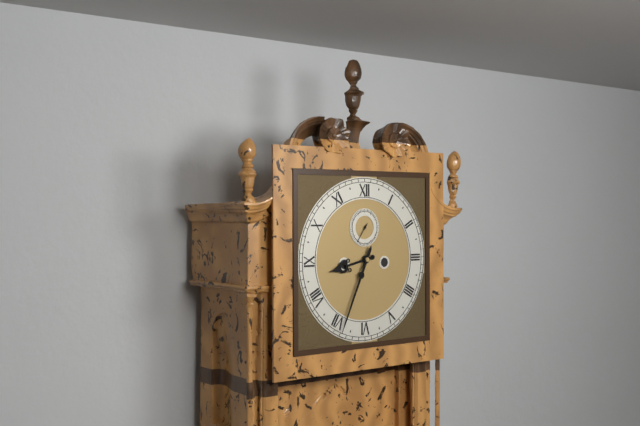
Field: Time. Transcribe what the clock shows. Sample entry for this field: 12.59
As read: 8.34
